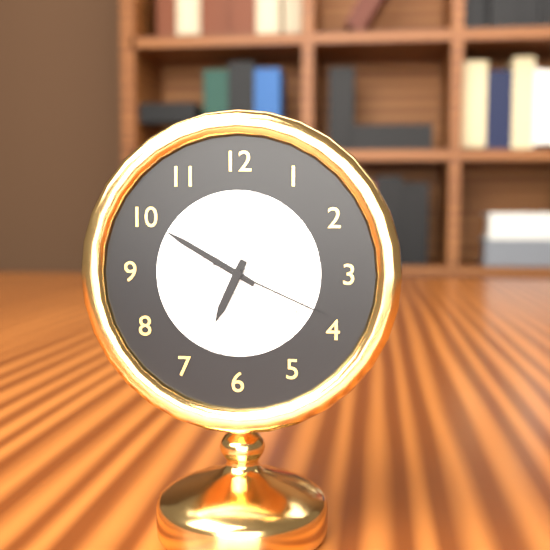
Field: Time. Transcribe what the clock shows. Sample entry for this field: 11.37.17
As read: 6.50.19
